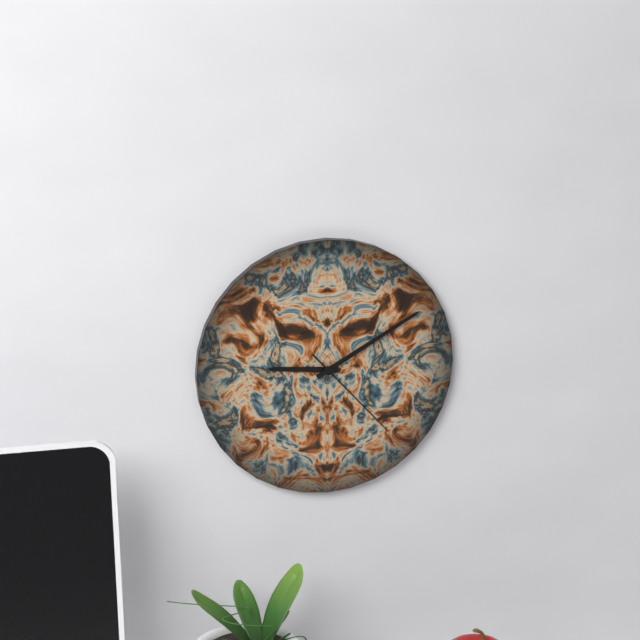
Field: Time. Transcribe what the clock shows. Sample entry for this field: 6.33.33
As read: 9.10.23
